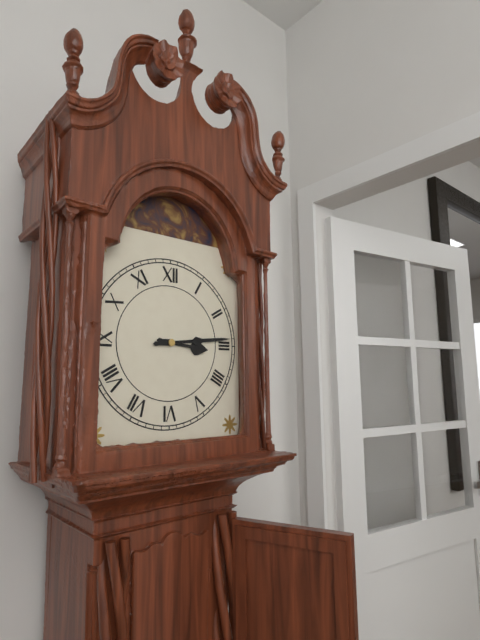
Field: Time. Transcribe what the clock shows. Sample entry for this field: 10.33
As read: 3.14
